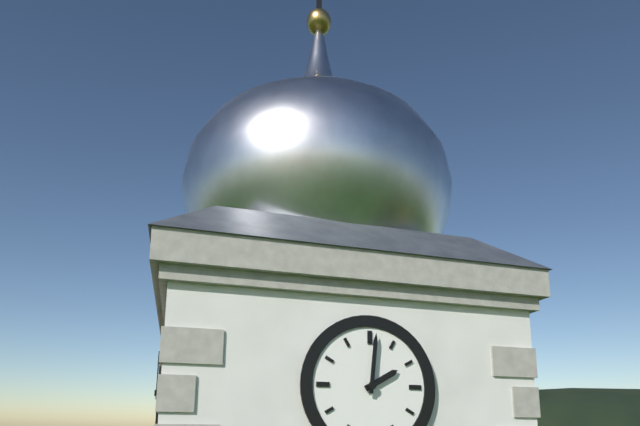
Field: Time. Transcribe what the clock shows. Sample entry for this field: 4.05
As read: 2.01
